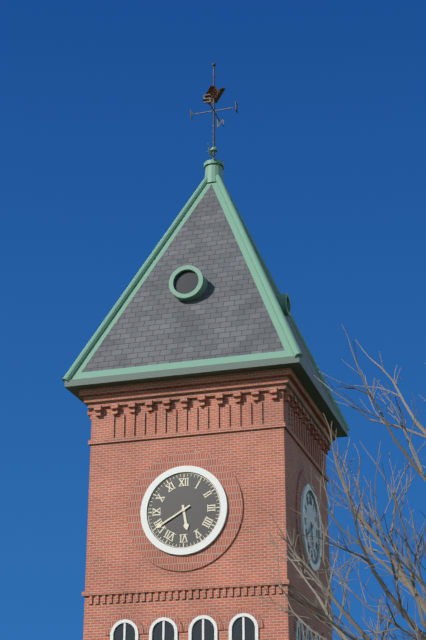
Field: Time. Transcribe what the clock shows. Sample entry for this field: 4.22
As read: 5.40
